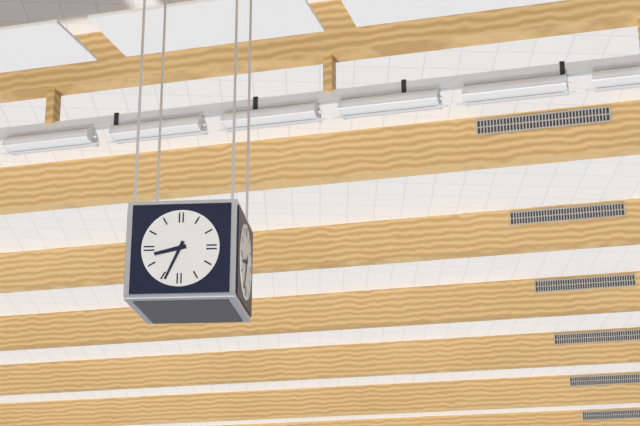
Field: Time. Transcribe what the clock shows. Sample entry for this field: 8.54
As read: 8.34
